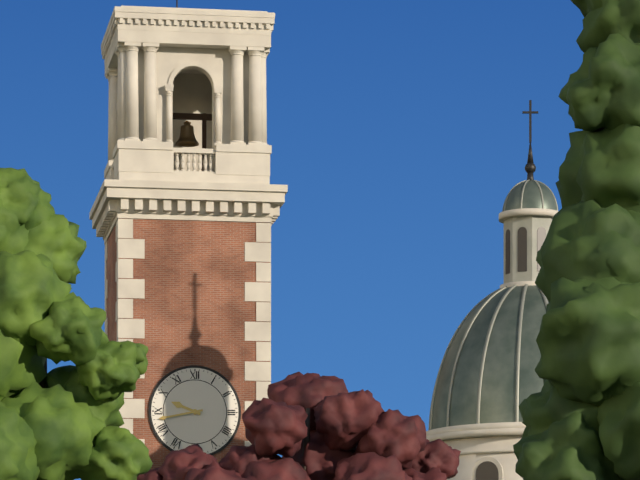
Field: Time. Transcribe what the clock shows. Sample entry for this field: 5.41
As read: 9.43
